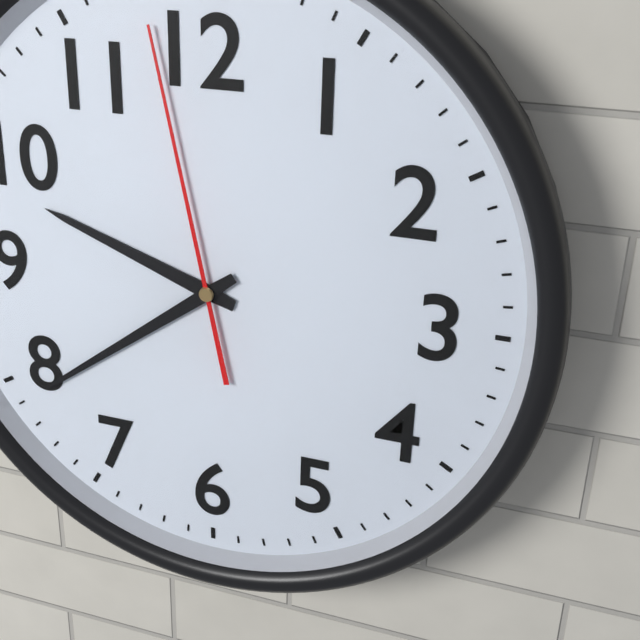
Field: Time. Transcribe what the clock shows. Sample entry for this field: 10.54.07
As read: 9.39.58
